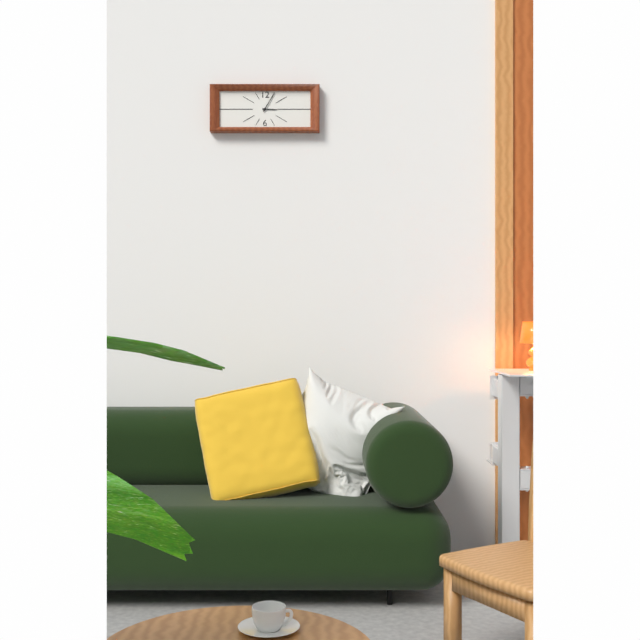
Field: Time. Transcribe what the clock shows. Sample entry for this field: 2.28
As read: 3.05
